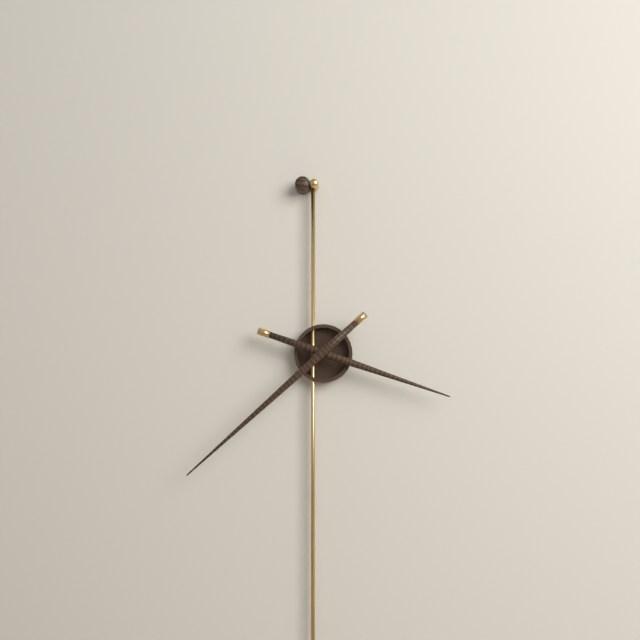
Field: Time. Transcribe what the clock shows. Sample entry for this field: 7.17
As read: 3.38
